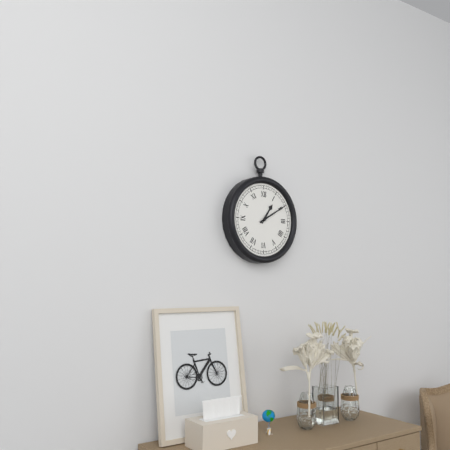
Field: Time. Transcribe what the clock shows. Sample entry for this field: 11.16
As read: 1.10
